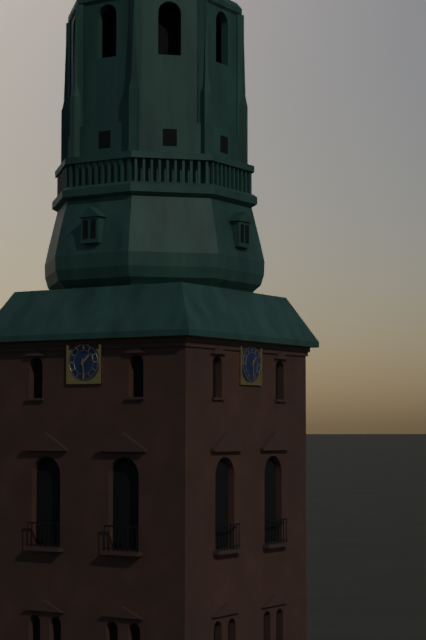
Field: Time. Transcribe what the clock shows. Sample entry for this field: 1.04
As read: 1.29
